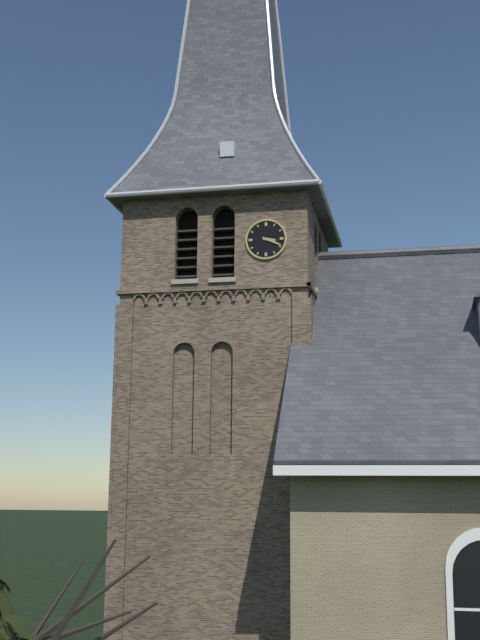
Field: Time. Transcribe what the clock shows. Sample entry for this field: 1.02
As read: 3.19
